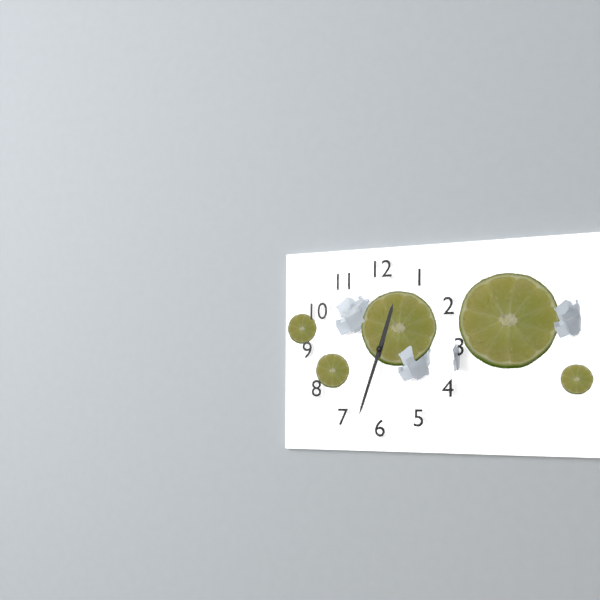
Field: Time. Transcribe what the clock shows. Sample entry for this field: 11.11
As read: 12.33
